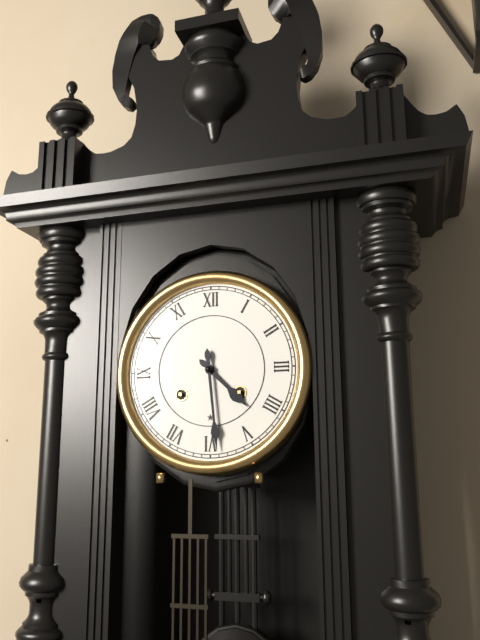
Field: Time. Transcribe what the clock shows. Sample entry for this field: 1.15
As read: 4.29
